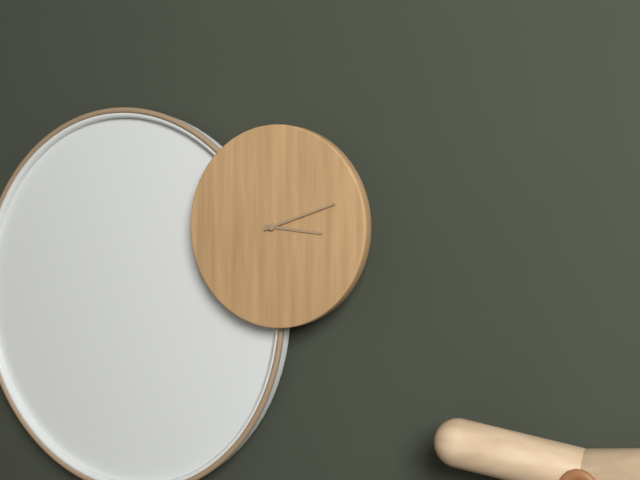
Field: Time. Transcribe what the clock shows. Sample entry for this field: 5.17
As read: 3.12
